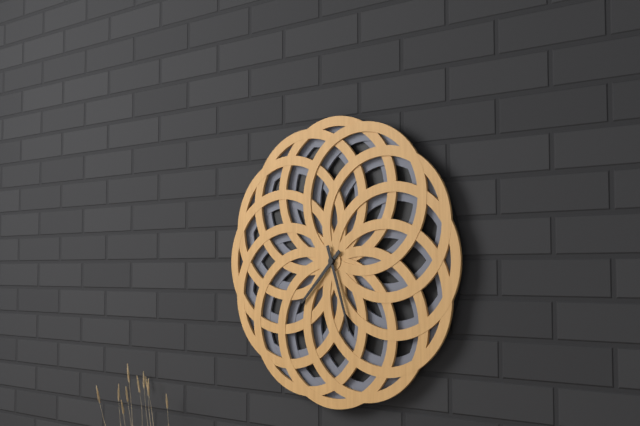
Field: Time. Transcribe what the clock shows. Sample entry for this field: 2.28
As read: 7.27
